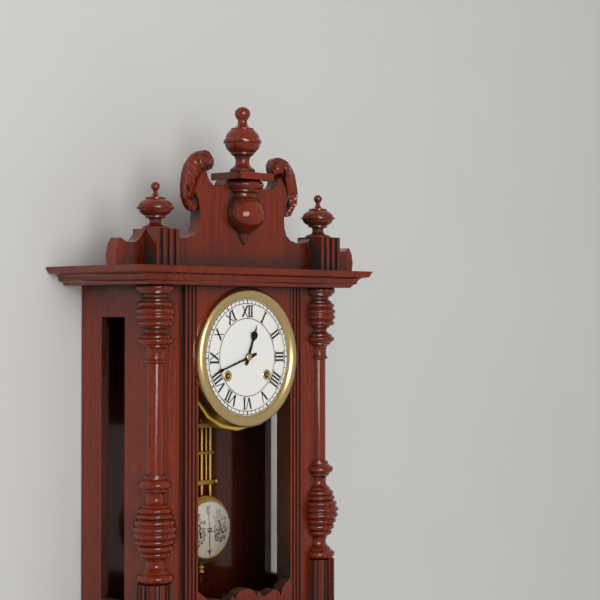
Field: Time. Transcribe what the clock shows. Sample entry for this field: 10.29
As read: 12.42
